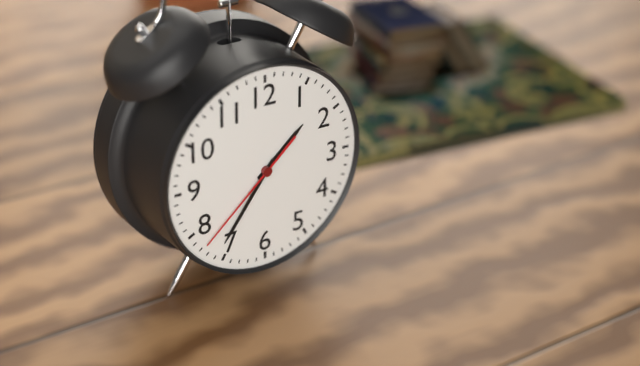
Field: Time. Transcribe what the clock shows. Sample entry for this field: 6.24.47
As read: 1.36.38
